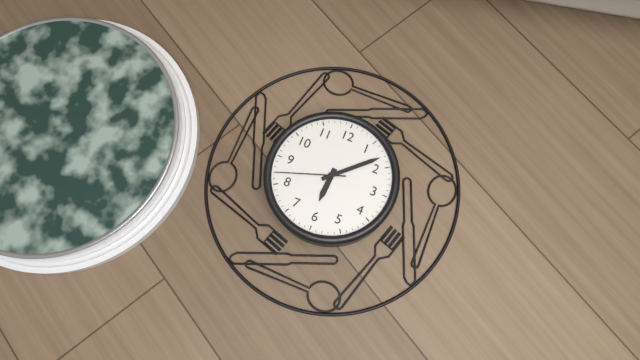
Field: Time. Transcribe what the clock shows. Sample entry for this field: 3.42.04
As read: 6.08.42
